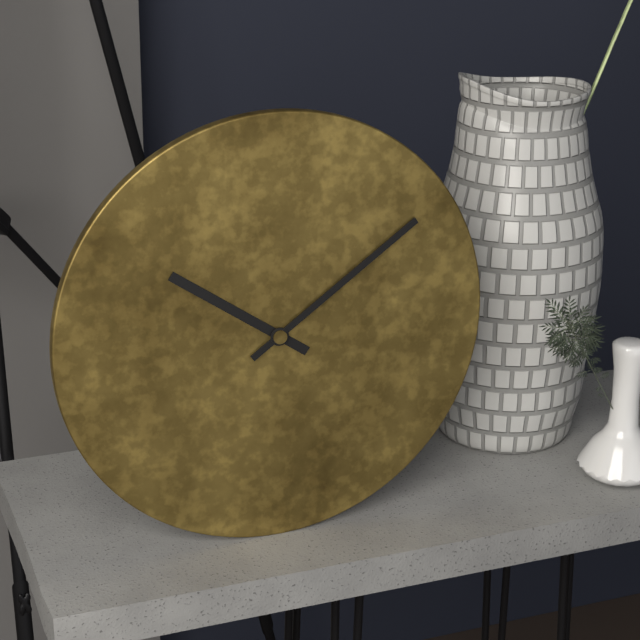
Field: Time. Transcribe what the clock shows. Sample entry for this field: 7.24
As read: 10.09
